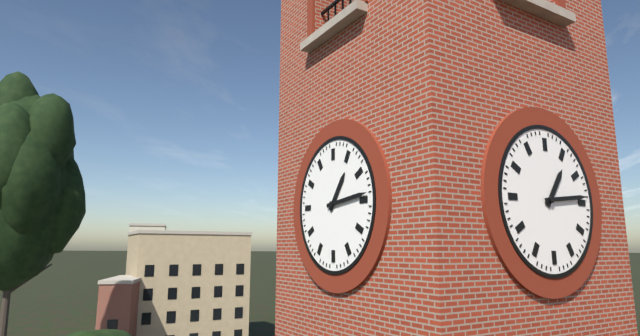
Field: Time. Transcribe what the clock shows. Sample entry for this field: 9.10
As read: 1.14
